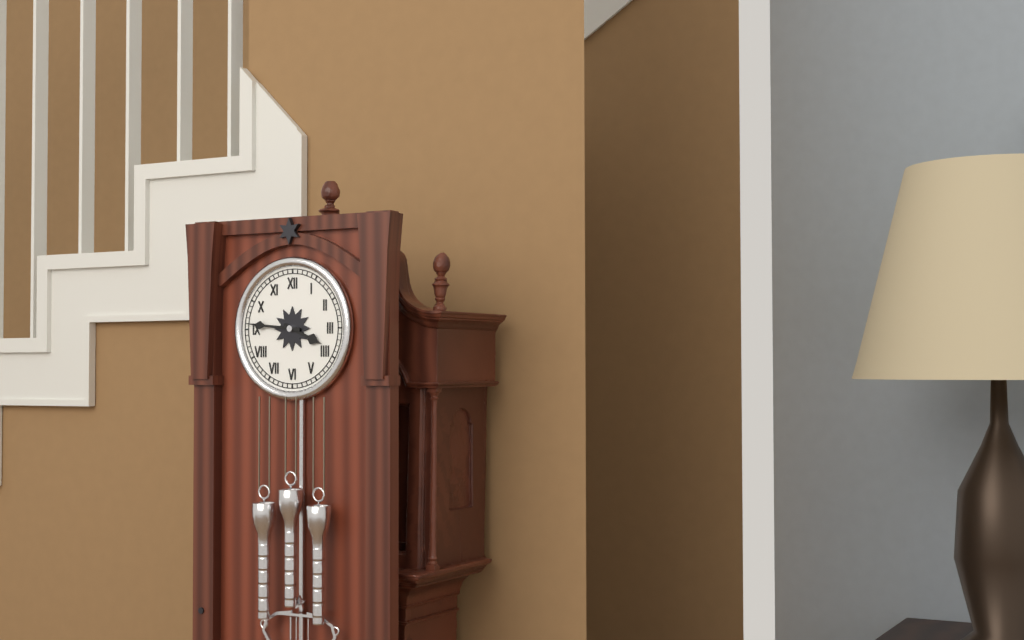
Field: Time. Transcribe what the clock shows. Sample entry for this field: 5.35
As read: 3.46
